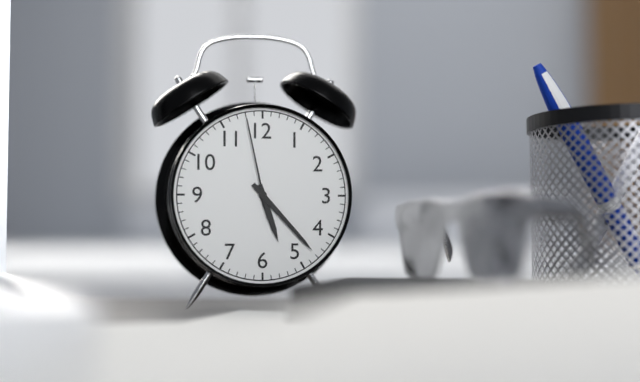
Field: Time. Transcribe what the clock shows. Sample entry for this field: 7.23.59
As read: 5.23.58
